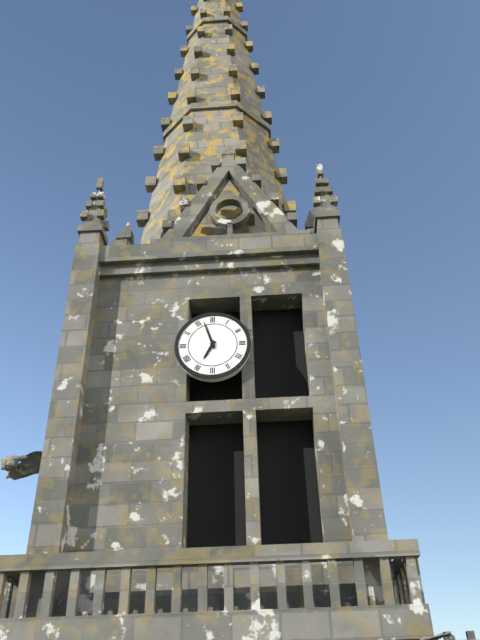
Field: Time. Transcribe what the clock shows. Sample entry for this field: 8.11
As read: 6.57
